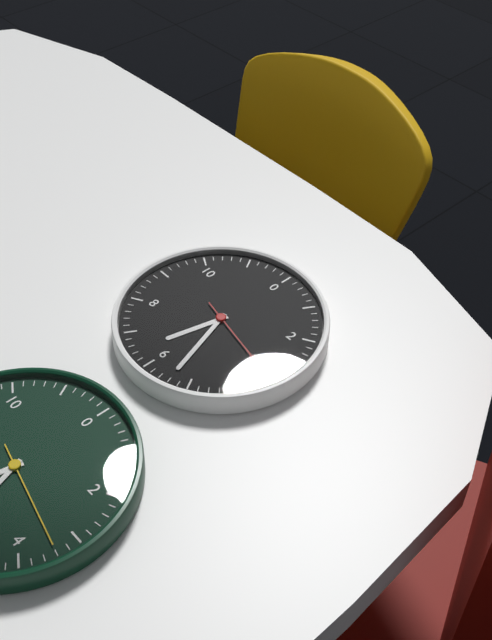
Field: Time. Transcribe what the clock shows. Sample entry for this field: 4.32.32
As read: 6.27.17
